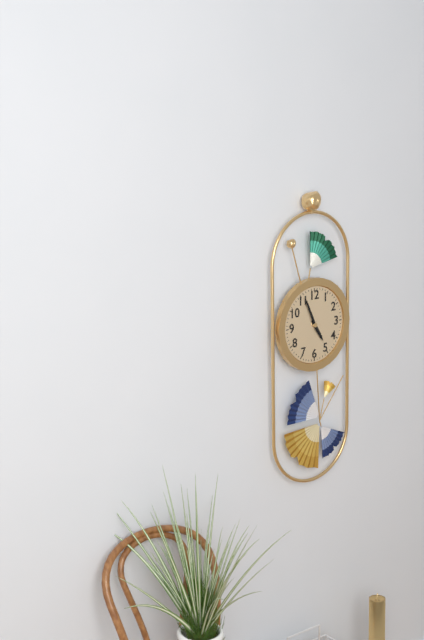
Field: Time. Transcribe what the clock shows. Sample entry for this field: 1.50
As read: 4.56
